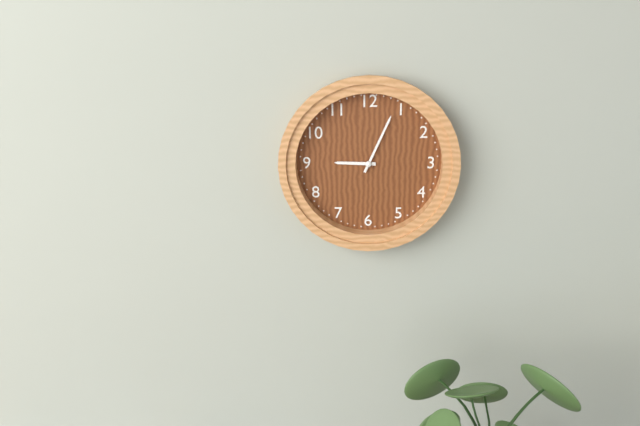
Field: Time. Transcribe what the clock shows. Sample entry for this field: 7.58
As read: 9.04
